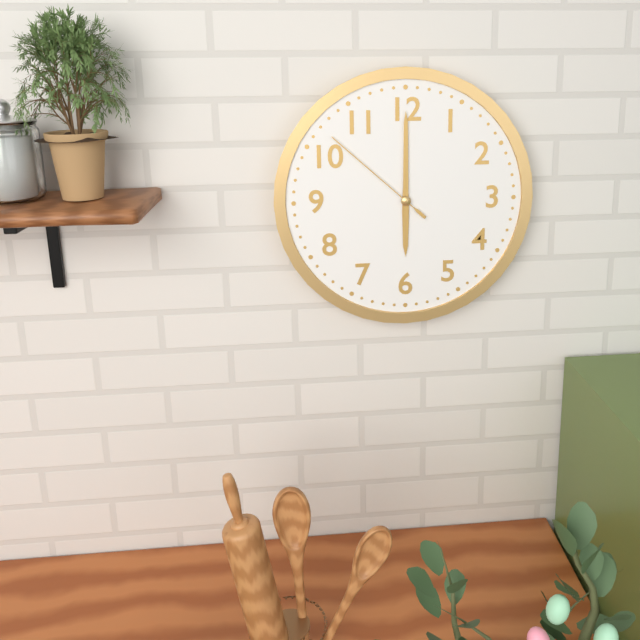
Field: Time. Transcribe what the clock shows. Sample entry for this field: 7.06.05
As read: 6.00.52
